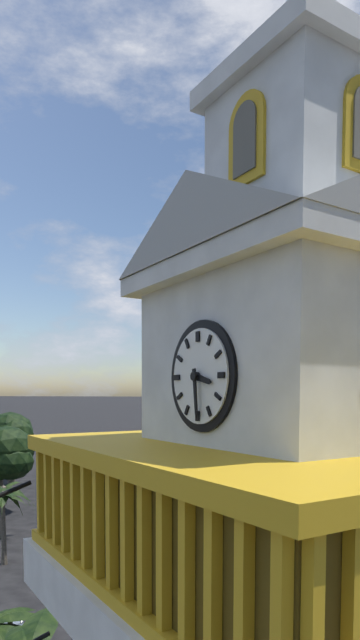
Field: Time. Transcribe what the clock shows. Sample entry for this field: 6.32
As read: 3.29
